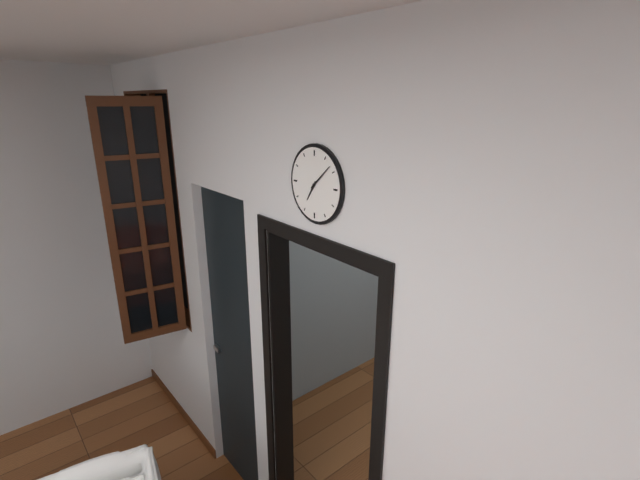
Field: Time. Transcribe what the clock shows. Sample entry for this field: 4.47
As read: 7.08
